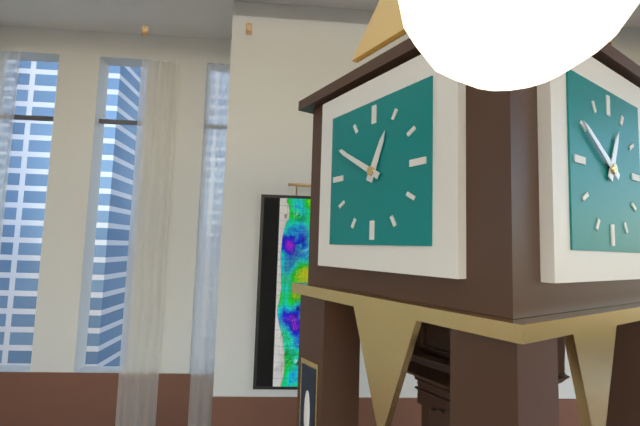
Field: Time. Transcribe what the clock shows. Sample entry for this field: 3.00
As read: 12.50
